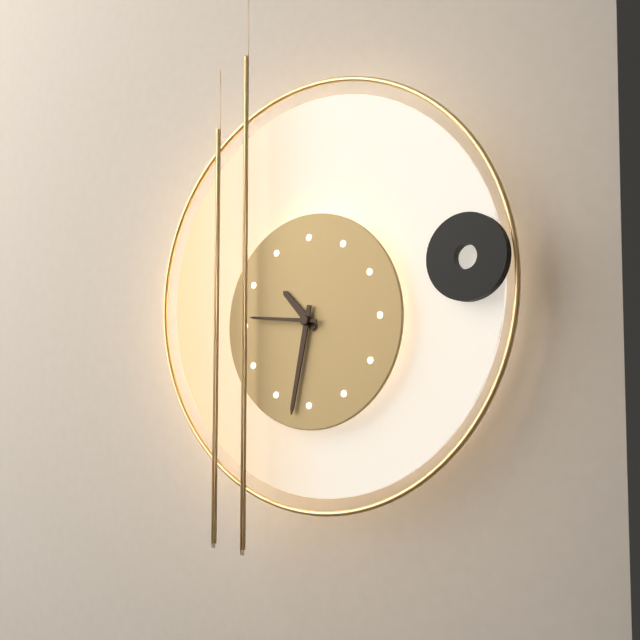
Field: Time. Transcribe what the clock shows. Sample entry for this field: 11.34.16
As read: 10.32.46
